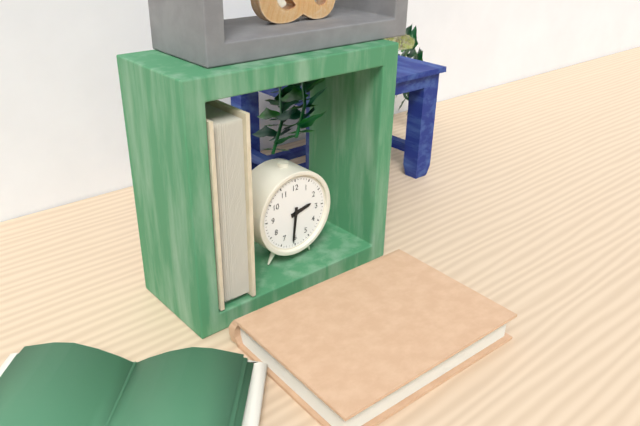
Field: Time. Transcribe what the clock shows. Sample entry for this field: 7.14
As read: 2.31
